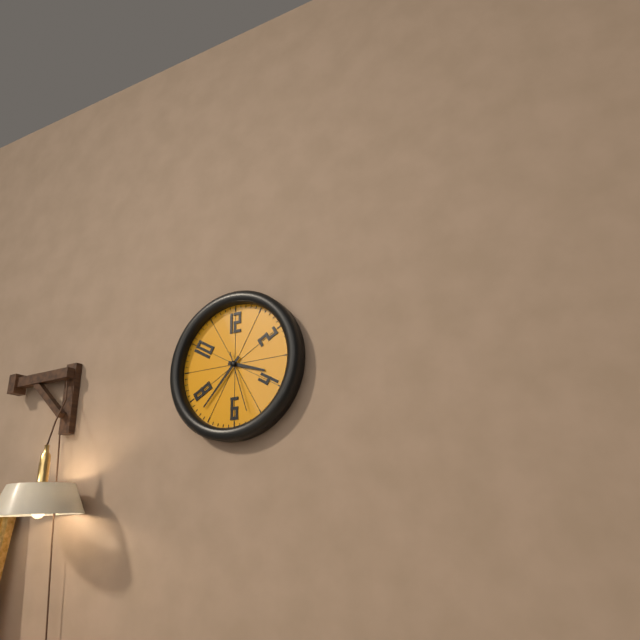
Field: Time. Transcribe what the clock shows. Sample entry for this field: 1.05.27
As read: 3.37.27
